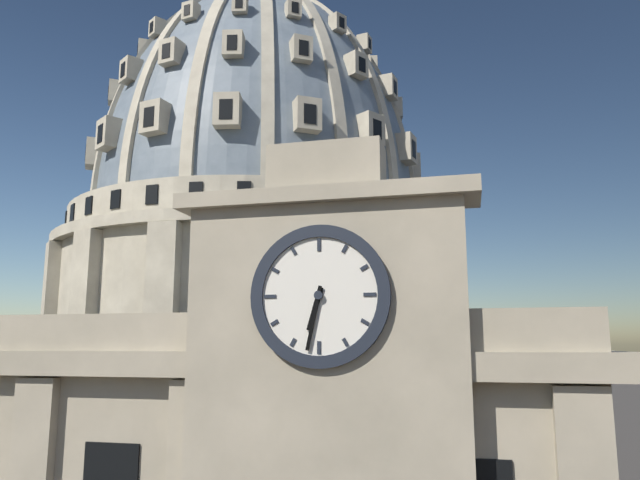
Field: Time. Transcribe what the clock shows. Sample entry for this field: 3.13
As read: 6.32
